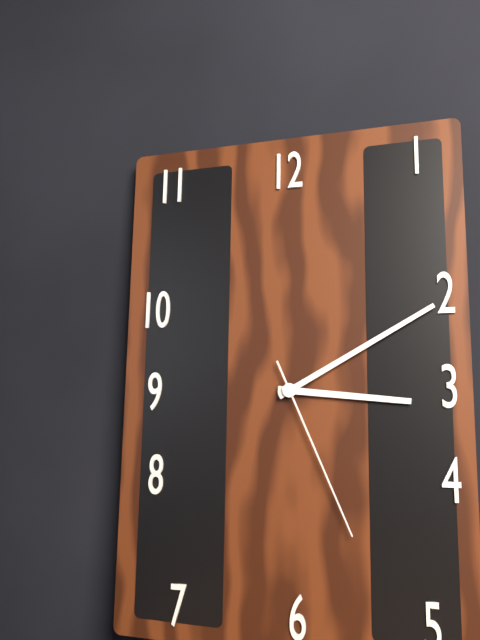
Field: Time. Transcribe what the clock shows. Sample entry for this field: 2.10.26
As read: 3.10.26
